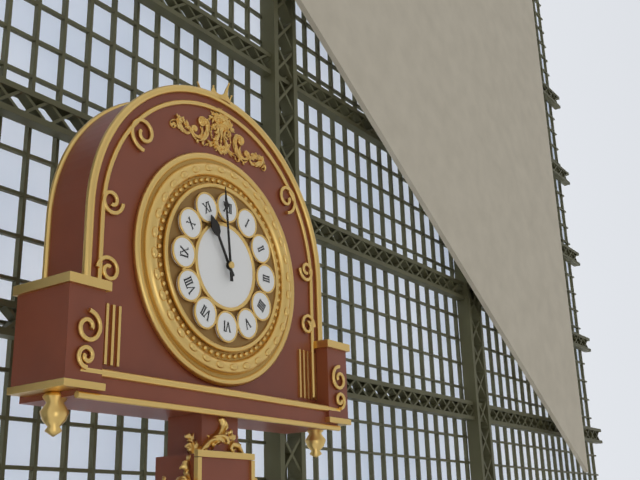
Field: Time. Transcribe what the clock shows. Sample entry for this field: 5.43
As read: 10.59
